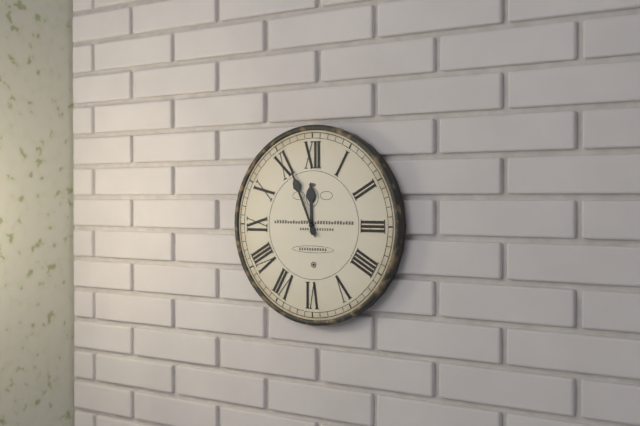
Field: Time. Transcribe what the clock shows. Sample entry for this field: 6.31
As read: 11.56
